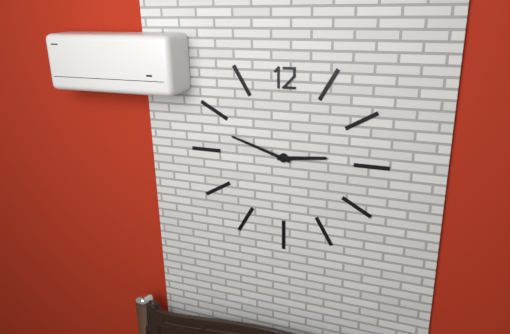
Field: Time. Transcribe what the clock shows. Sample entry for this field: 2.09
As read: 2.48
